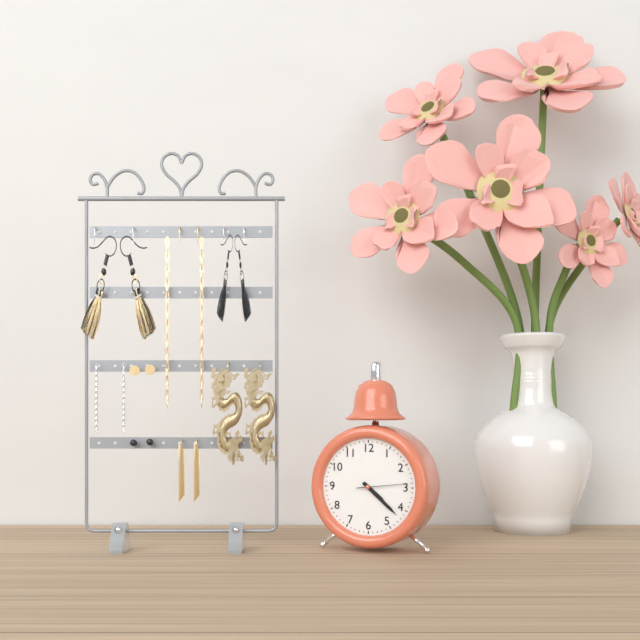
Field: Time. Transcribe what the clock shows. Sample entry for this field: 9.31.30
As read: 4.22.14
